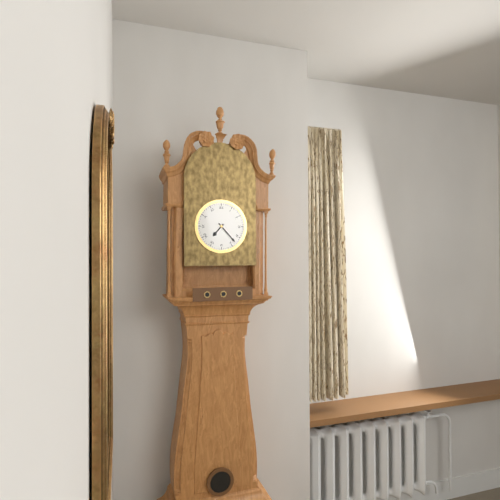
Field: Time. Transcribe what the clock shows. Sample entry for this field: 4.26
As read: 7.23
